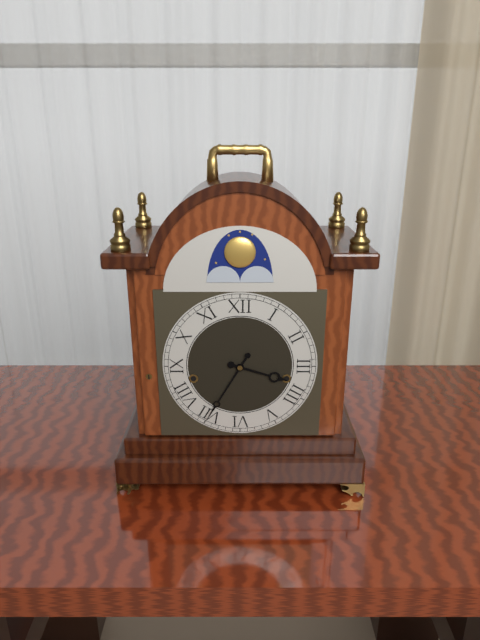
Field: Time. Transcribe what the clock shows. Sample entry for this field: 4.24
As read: 3.35
